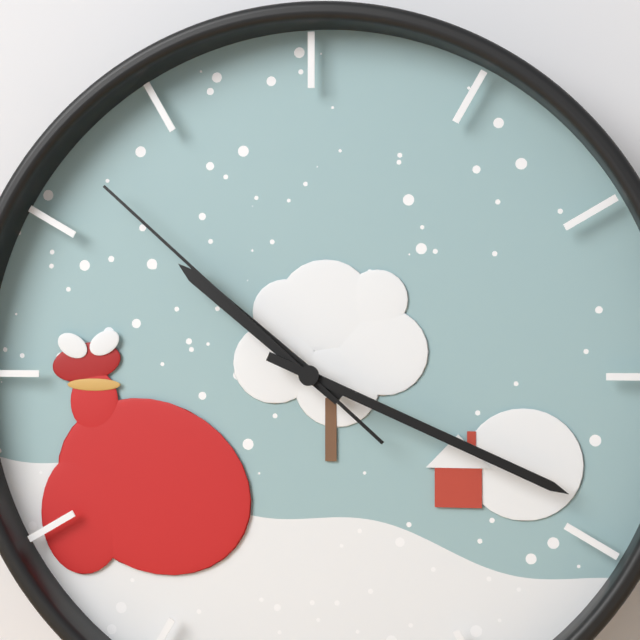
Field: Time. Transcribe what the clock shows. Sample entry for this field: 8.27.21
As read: 10.19.52
